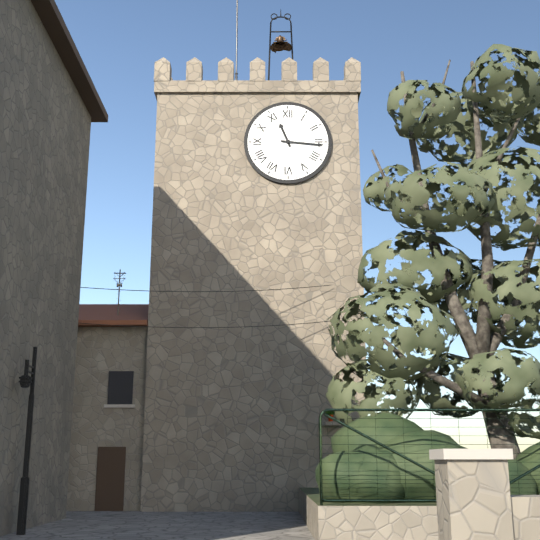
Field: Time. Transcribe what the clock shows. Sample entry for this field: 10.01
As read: 11.16
